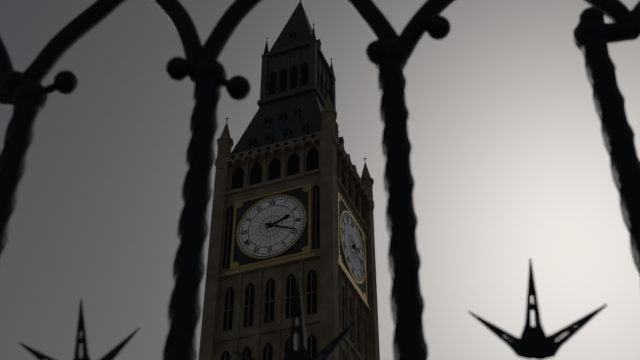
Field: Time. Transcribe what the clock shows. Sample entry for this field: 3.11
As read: 2.19
